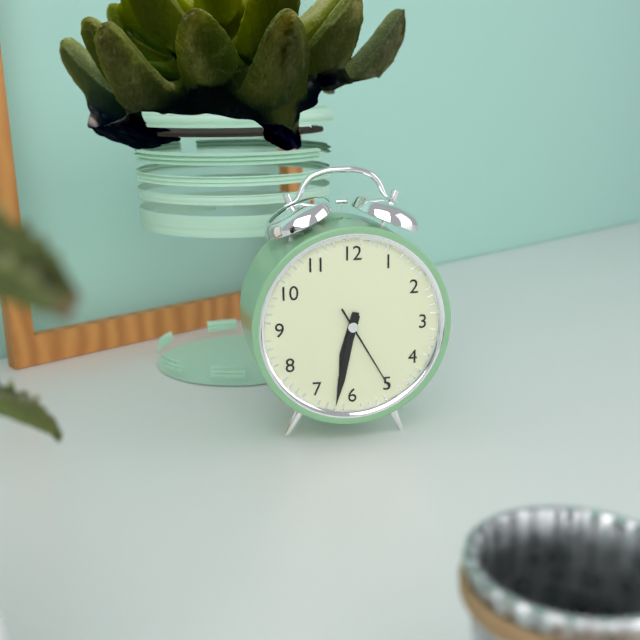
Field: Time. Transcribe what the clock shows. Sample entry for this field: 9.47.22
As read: 6.32.25
